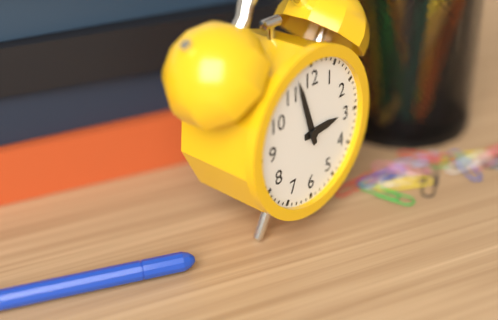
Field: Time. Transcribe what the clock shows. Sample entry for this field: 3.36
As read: 2.57
